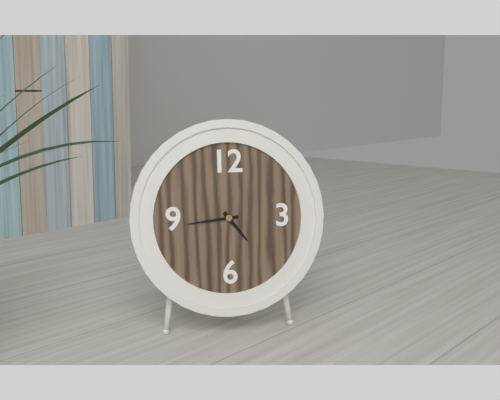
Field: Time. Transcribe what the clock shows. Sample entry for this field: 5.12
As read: 4.44
